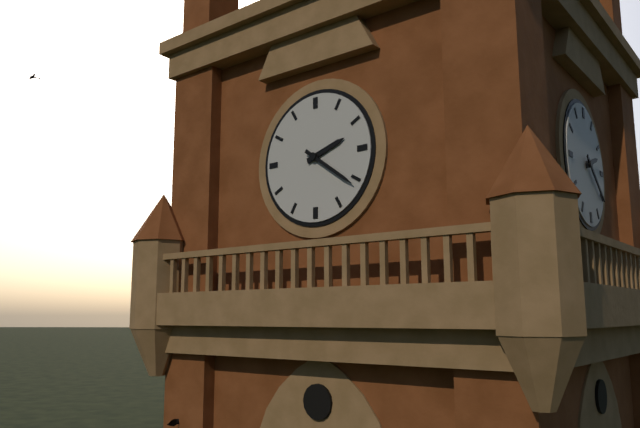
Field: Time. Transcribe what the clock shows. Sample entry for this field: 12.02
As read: 2.21
